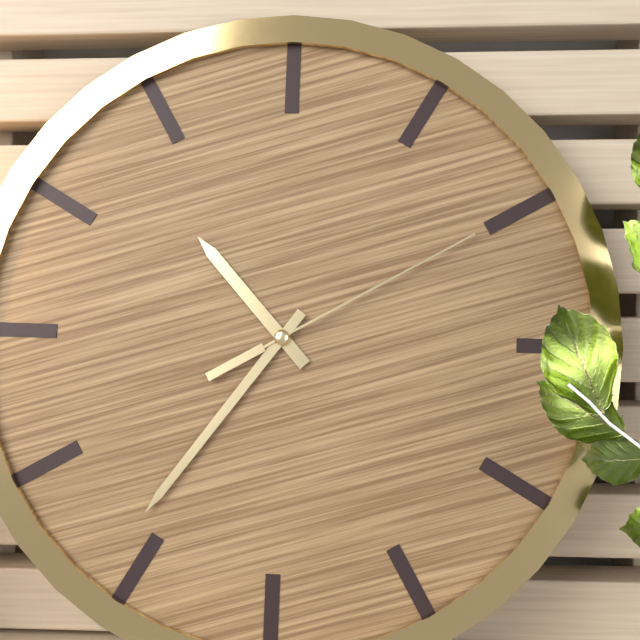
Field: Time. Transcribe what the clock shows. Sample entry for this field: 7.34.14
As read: 10.36.10
